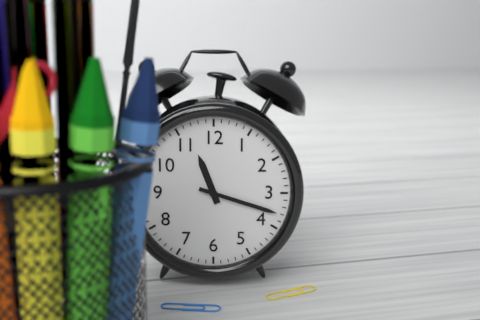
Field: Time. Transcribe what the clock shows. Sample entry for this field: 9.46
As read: 11.18
